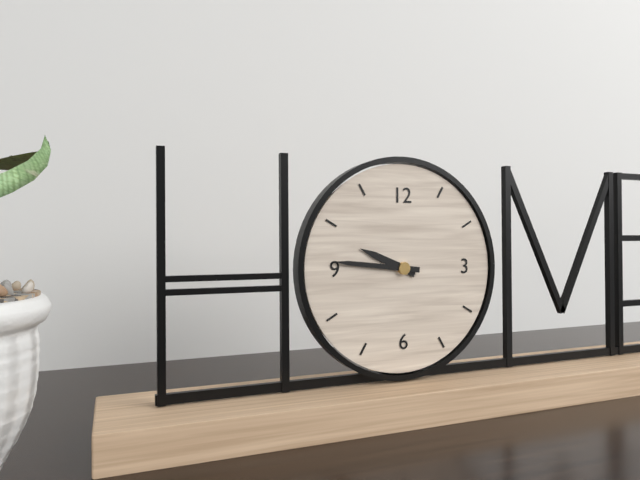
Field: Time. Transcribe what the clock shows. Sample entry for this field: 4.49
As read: 9.46
